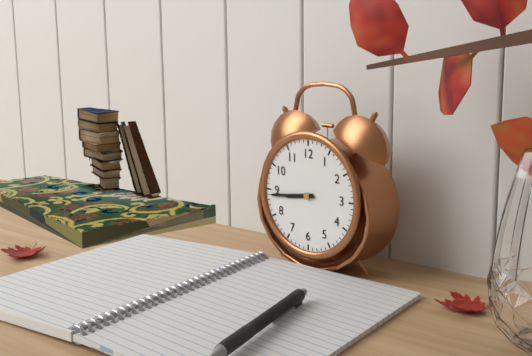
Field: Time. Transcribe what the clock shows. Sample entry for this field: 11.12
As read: 8.44
